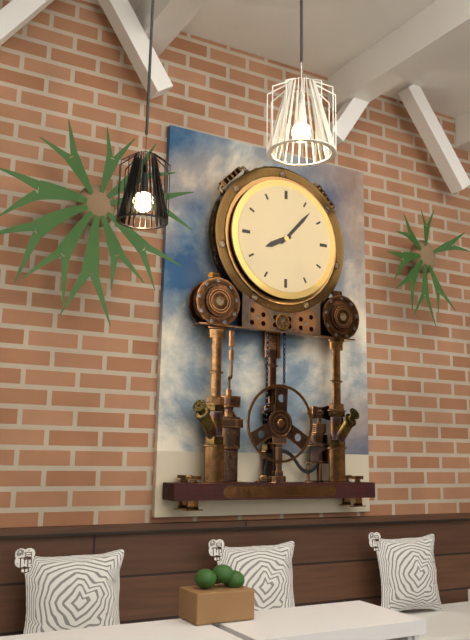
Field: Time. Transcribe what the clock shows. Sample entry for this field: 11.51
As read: 8.07
